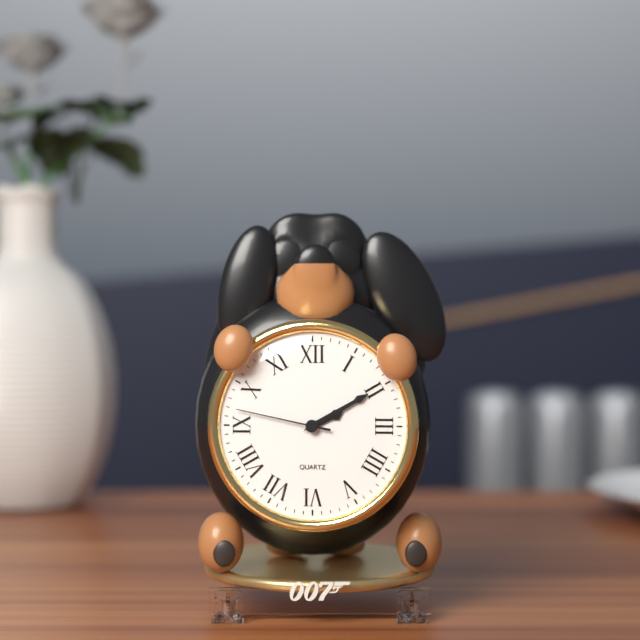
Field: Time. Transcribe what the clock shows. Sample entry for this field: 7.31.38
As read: 2.10.47
